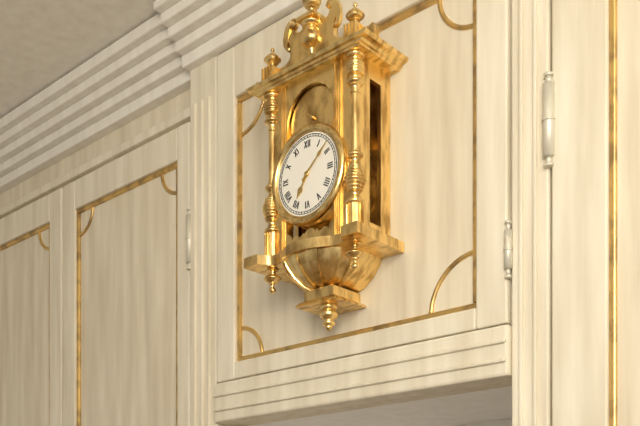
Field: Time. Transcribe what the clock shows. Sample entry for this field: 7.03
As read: 7.08
